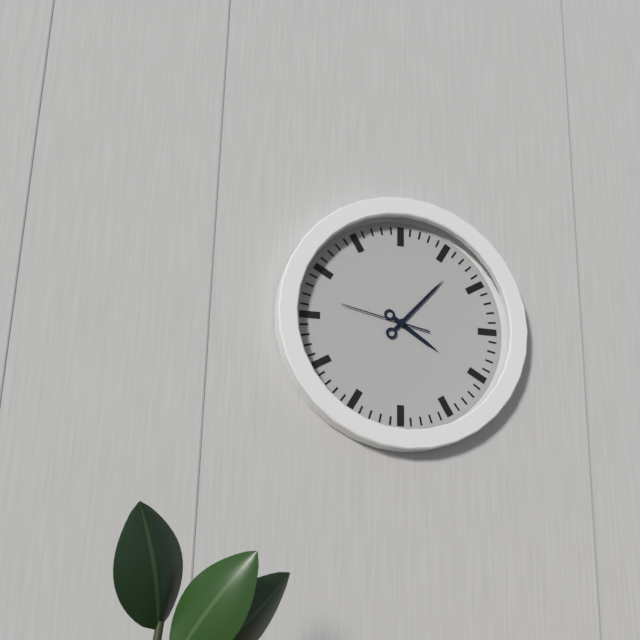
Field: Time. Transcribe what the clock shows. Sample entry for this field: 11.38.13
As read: 4.07.47
